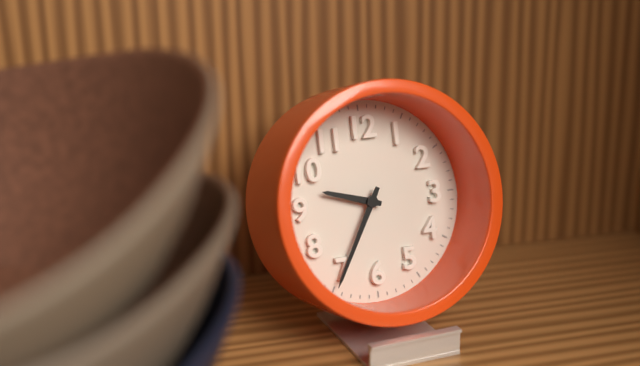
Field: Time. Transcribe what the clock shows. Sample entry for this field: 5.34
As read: 9.35
